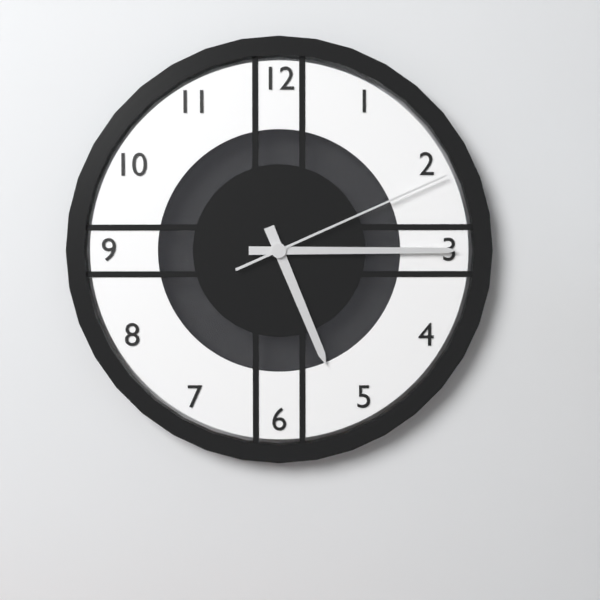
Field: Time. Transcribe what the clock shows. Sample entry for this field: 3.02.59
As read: 5.15.11
